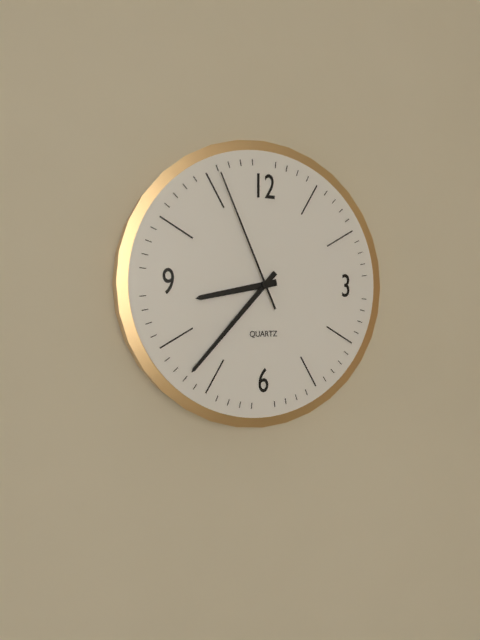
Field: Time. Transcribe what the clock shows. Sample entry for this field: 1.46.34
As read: 8.37.56
